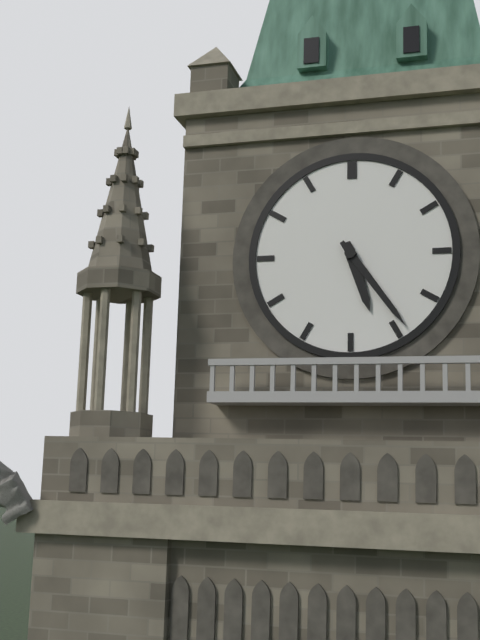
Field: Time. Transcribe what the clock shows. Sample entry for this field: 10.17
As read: 5.24
